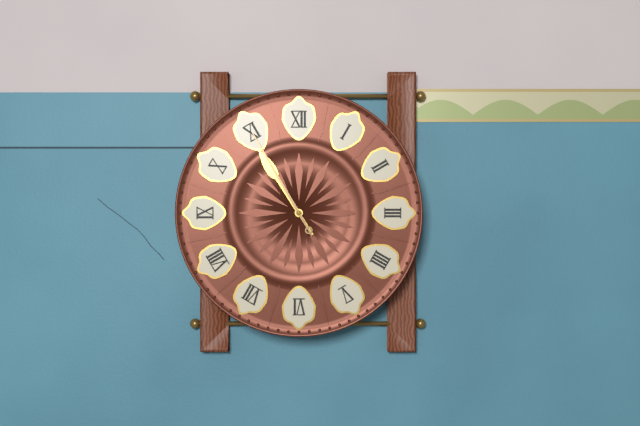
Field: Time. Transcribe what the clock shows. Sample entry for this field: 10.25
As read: 10.55
